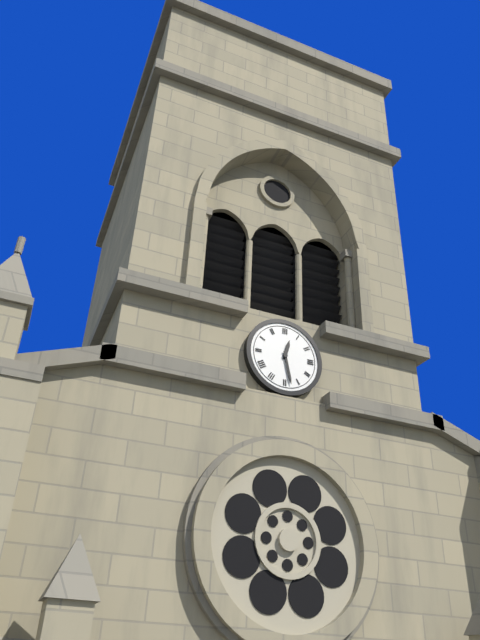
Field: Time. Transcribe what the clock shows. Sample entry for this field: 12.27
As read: 12.28
